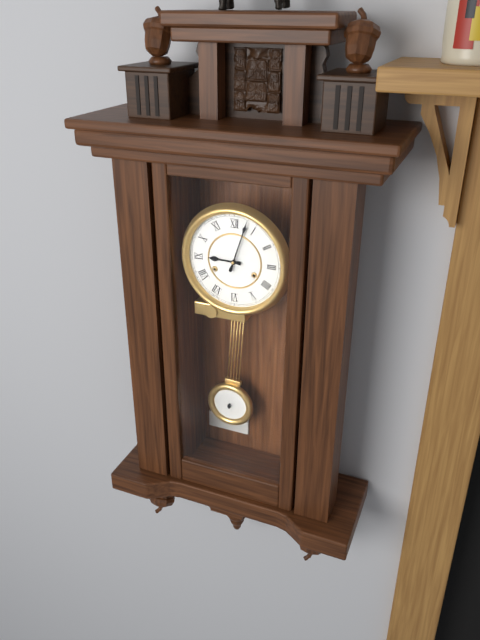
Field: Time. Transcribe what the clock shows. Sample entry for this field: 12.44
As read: 9.03
